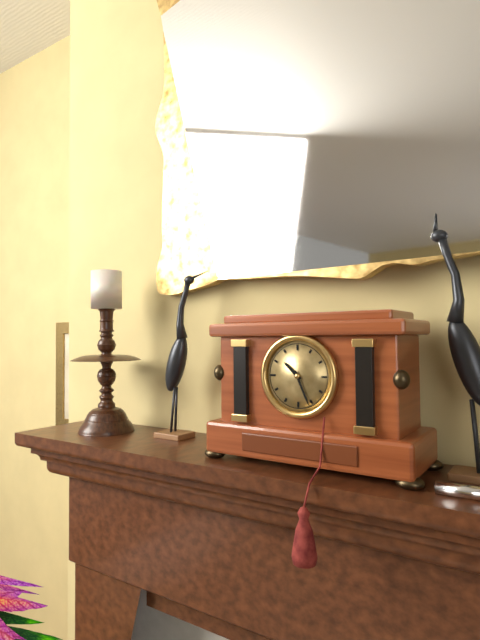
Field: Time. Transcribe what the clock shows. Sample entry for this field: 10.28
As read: 10.26
